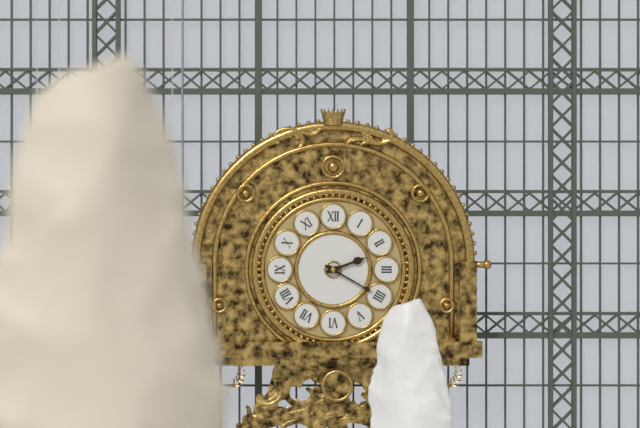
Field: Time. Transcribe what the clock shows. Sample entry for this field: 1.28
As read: 2.20
